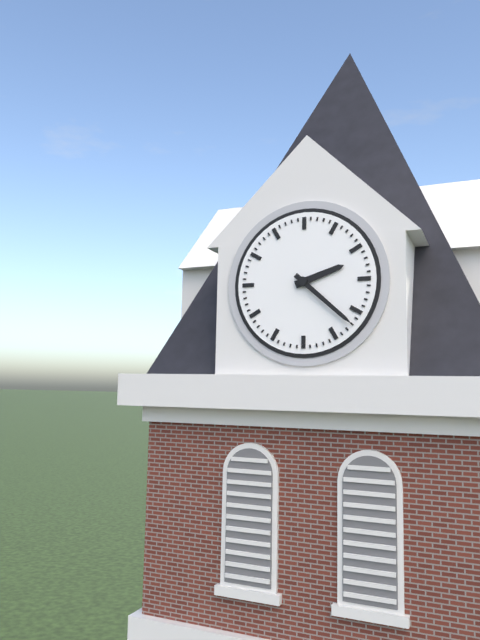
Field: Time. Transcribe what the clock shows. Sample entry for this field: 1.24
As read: 2.22
